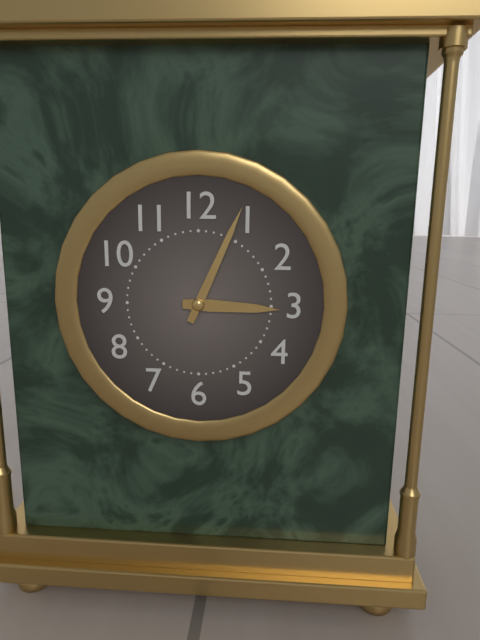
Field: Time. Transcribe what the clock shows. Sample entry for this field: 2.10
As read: 3.04
